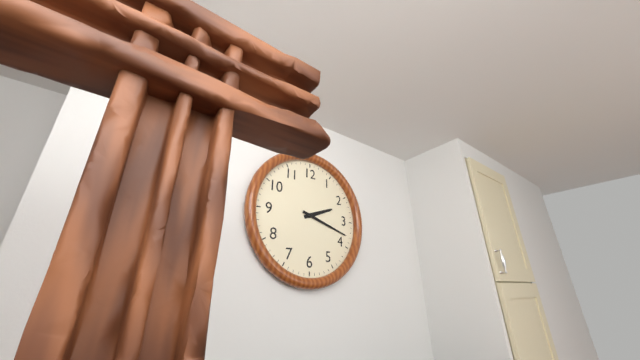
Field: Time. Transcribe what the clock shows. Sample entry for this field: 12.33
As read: 2.18
